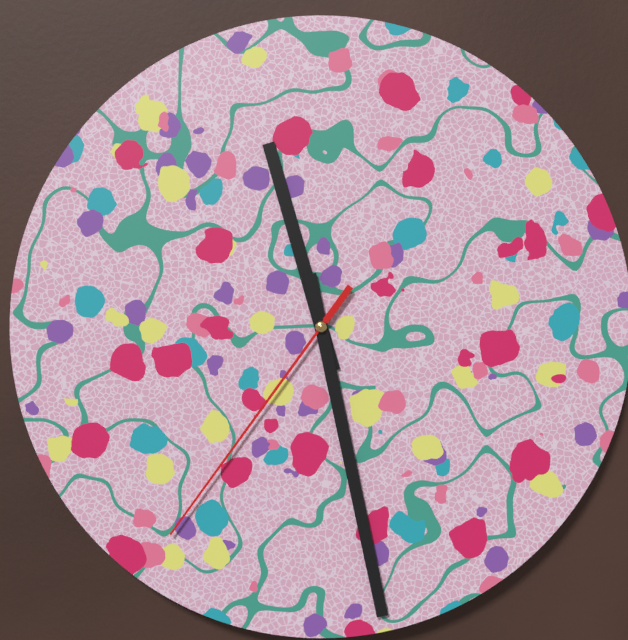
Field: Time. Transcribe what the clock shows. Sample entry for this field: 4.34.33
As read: 11.28.36
